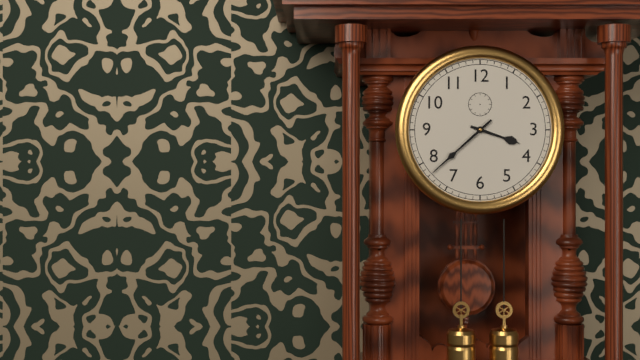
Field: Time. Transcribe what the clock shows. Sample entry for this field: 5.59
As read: 3.38
